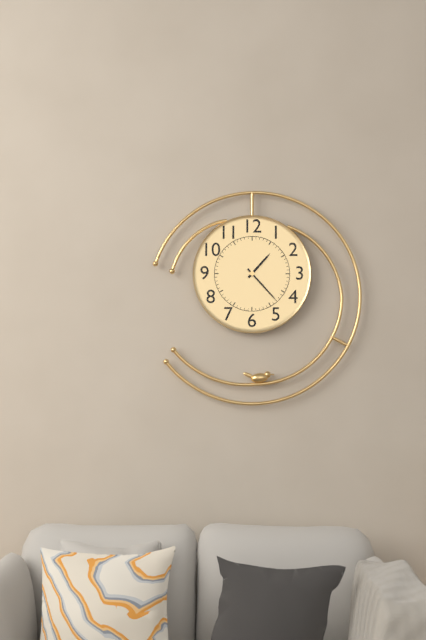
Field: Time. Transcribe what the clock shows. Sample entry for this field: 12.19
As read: 1.23
